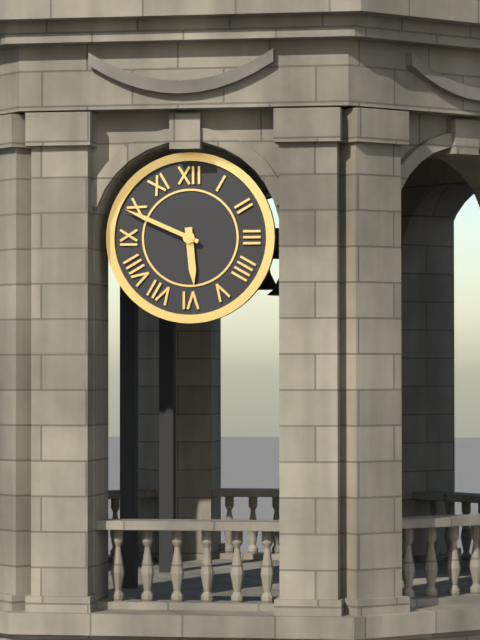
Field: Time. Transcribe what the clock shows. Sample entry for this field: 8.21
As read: 5.49
